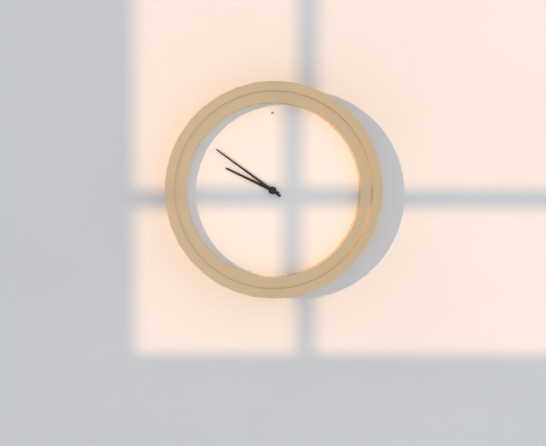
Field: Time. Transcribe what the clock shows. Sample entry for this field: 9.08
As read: 9.51
